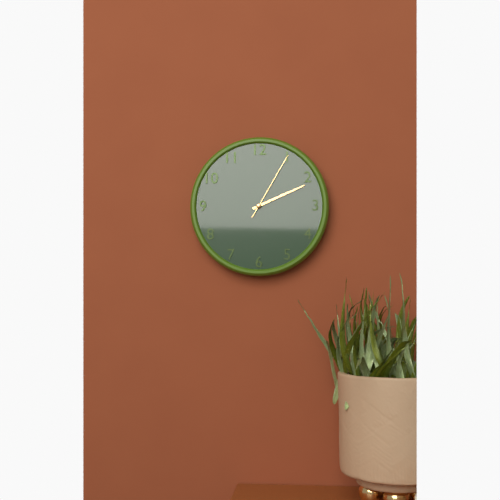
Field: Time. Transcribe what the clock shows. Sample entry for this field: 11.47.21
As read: 2.11.05
